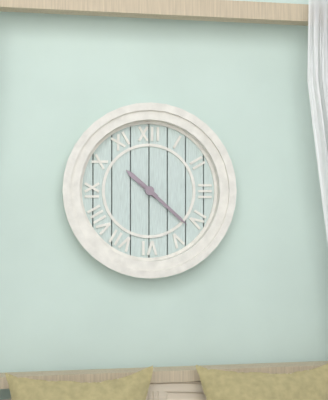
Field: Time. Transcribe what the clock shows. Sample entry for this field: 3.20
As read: 10.22
